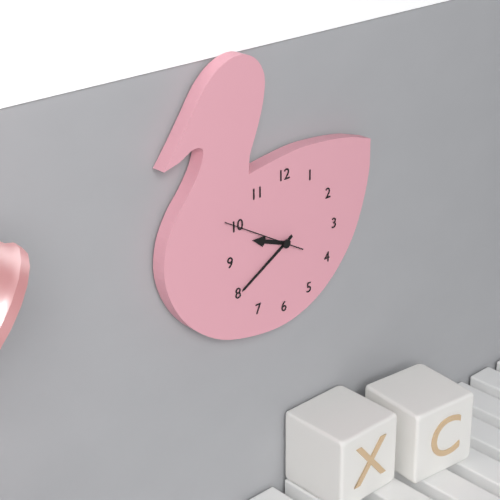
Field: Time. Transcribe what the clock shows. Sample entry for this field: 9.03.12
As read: 9.40.50
